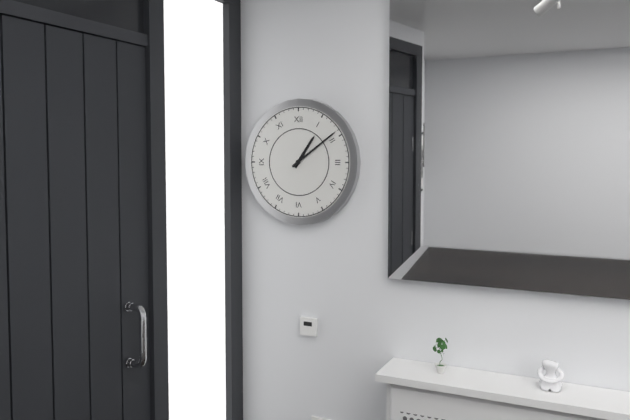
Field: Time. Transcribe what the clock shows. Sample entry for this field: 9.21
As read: 1.09
